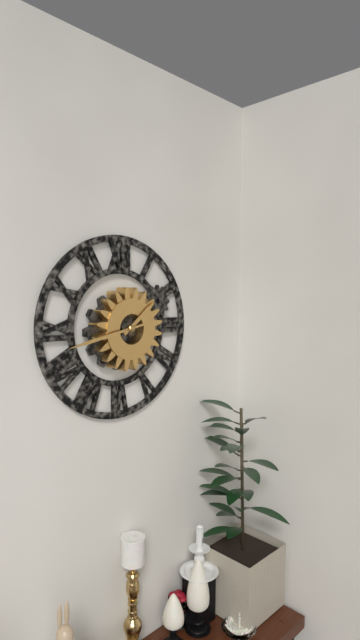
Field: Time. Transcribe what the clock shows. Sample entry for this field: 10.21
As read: 1.43
